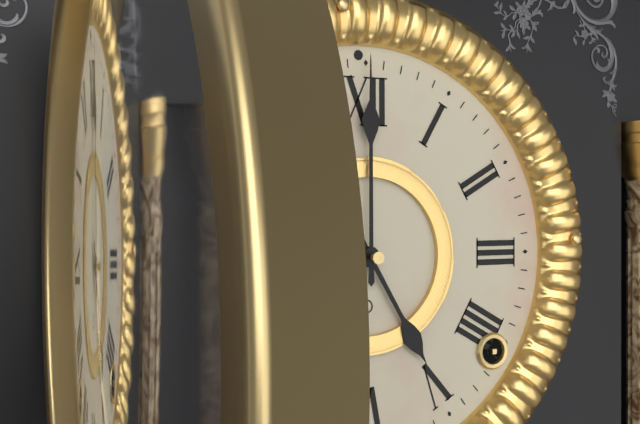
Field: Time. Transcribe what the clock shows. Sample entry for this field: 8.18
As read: 5.00
